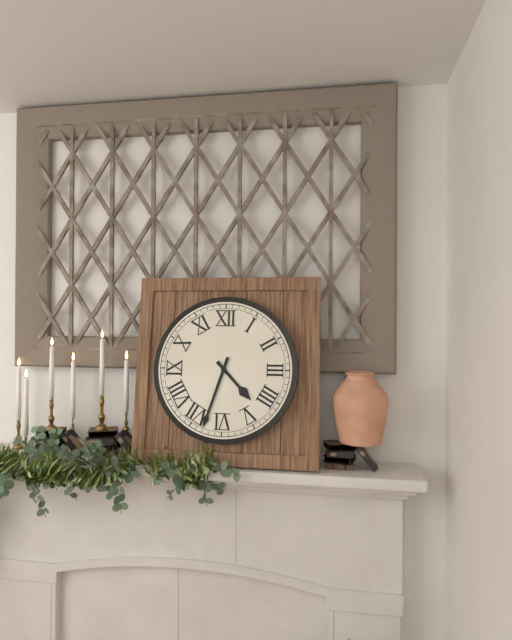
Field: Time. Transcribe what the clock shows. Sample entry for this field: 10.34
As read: 4.33
